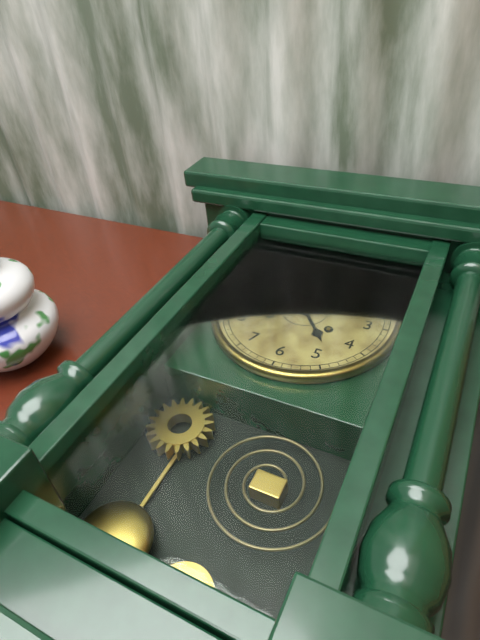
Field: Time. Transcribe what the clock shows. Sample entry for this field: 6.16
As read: 4.42
